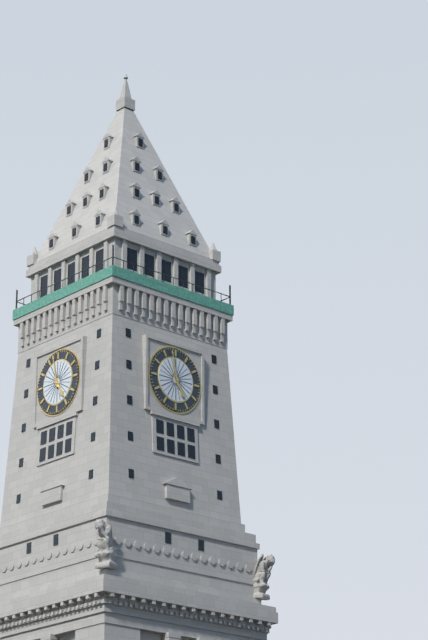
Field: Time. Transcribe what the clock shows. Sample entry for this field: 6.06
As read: 4.58
